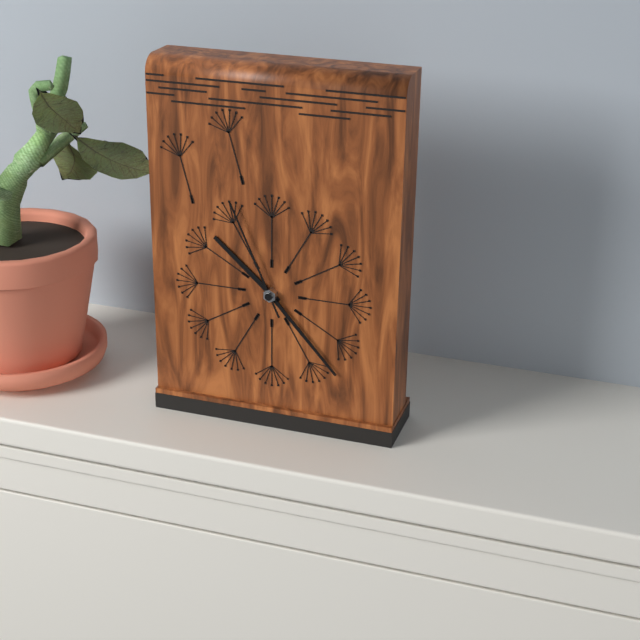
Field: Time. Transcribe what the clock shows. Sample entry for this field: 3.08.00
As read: 10.23.56
